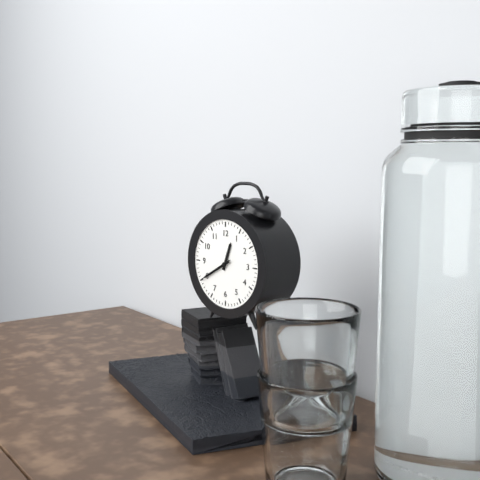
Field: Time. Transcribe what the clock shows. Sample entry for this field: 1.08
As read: 12.40
